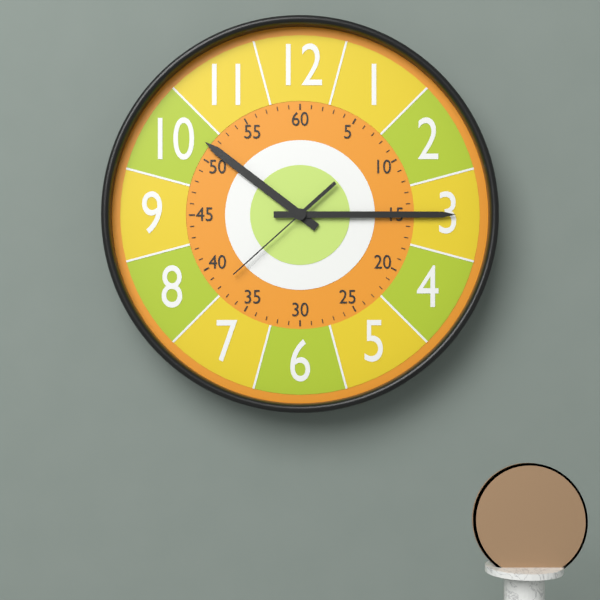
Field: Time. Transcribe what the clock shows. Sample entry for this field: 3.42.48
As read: 10.15.38
